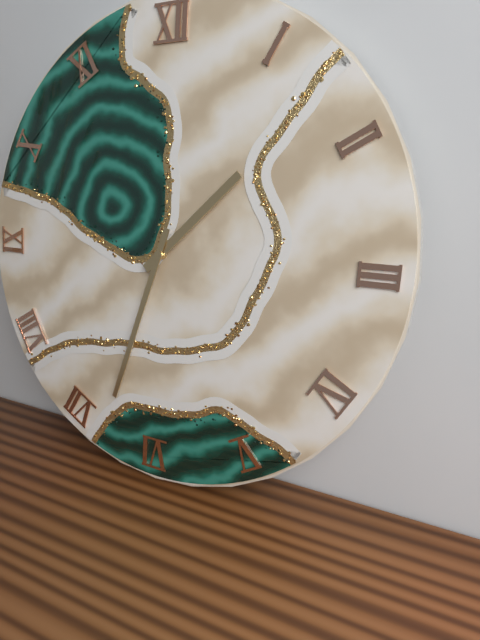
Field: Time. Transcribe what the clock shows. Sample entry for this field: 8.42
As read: 1.33
